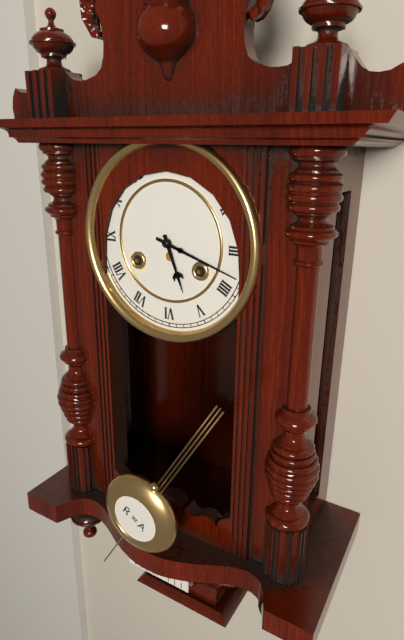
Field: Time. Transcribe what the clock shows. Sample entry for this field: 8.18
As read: 5.18
